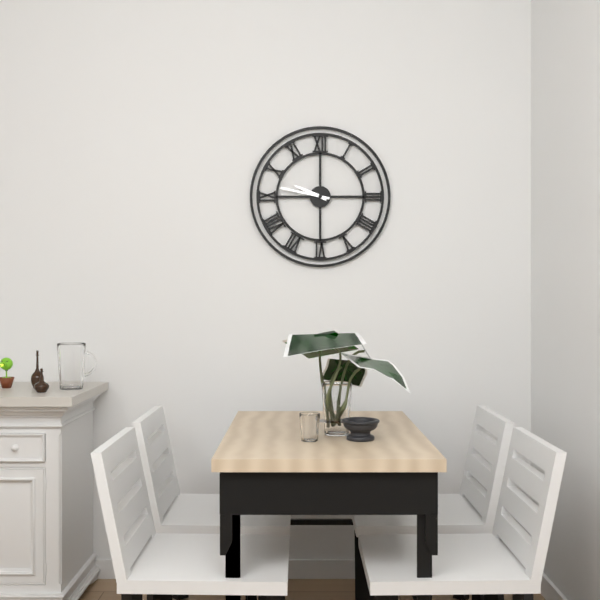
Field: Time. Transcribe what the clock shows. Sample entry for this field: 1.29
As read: 9.47
